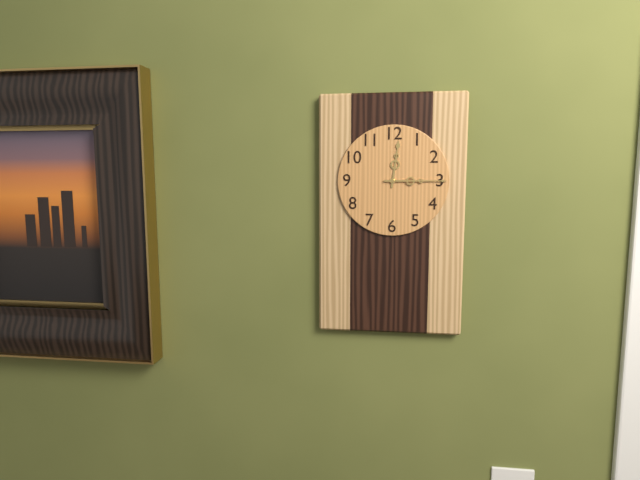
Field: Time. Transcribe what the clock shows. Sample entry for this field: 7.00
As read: 12.15
